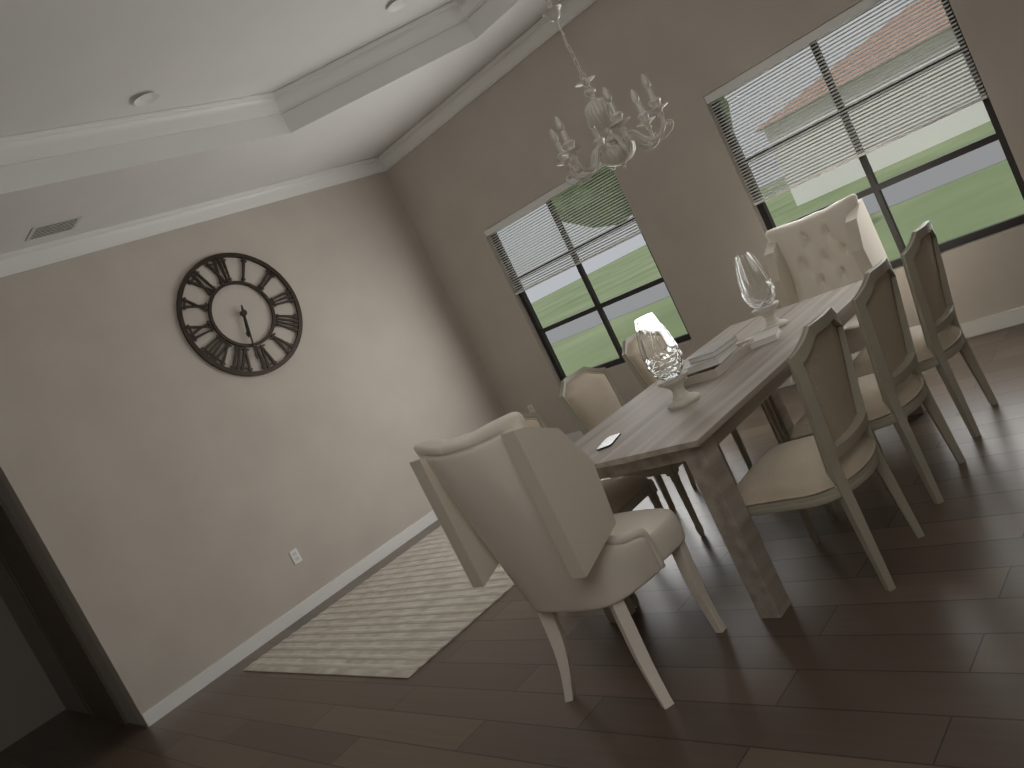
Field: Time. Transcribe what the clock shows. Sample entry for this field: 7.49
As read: 6.32
